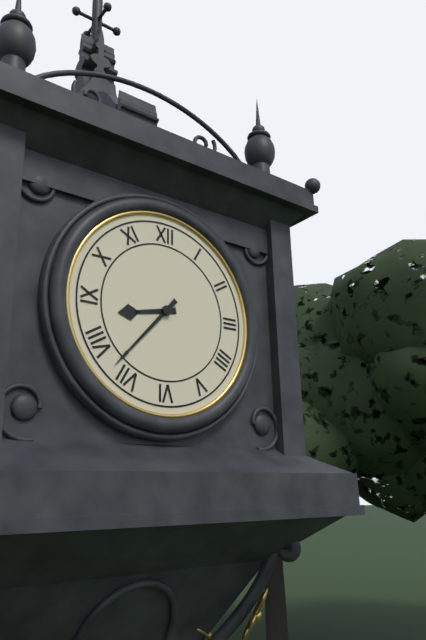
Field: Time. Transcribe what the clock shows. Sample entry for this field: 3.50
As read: 8.37
